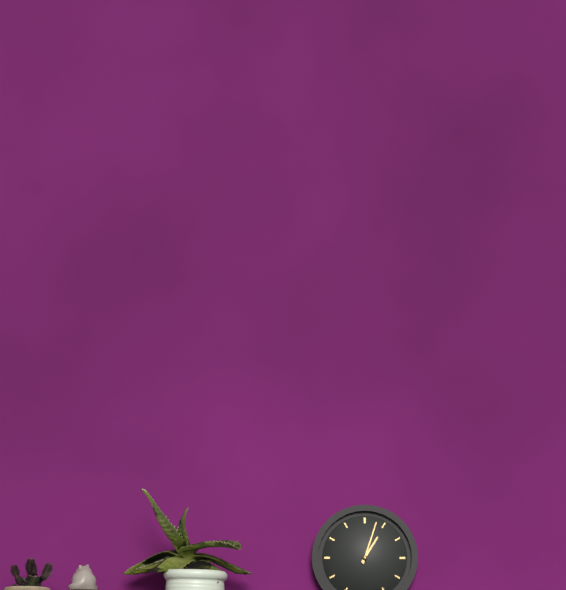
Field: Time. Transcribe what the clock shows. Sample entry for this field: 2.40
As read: 1.03
